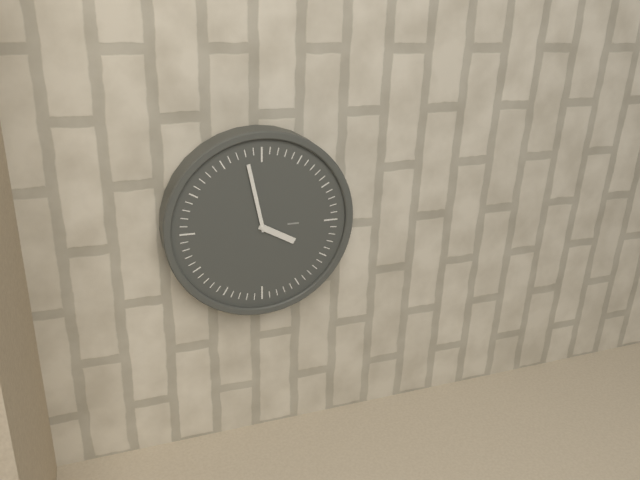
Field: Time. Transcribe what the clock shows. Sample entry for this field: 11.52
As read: 3.58
